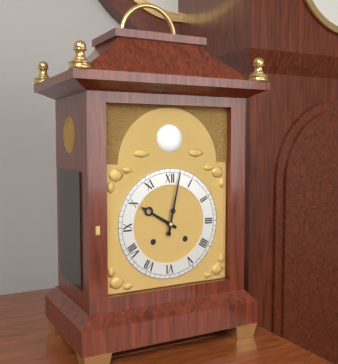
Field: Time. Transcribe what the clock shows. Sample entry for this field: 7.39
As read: 10.02
